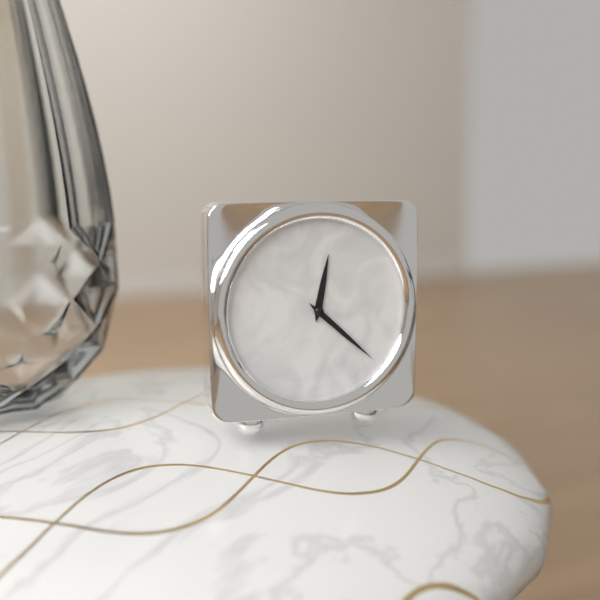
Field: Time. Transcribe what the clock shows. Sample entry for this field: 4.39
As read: 12.22
